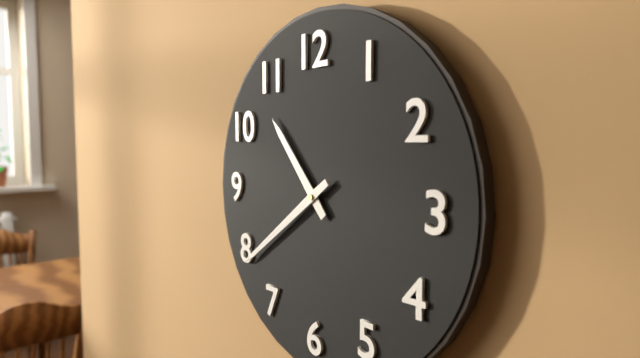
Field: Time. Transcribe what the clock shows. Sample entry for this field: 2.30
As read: 10.39
